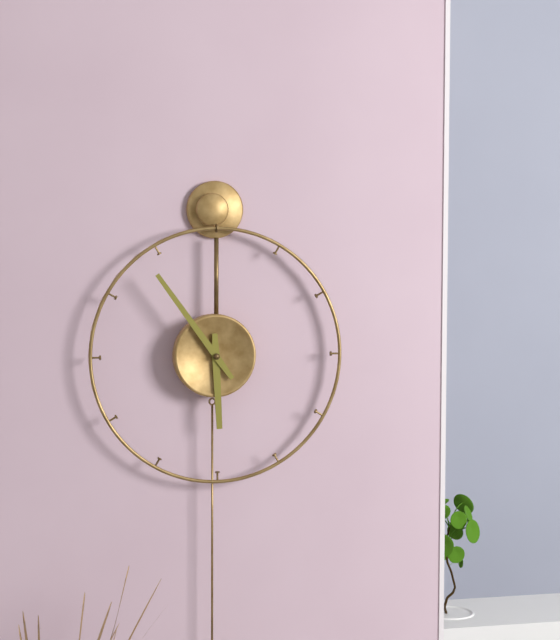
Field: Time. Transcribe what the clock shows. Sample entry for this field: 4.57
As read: 5.54
